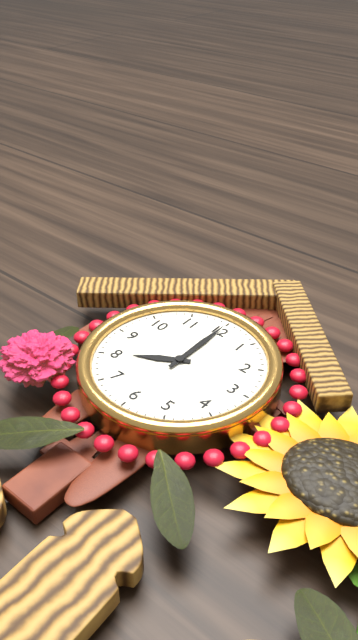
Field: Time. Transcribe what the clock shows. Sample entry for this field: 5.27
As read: 8.00
